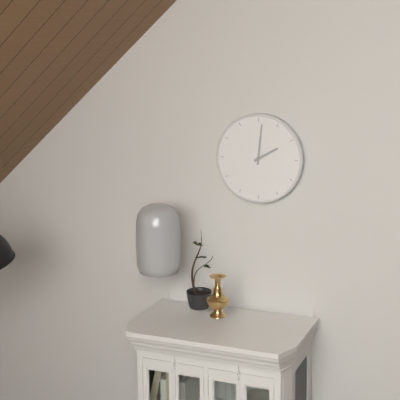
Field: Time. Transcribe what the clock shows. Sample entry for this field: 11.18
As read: 2.01
